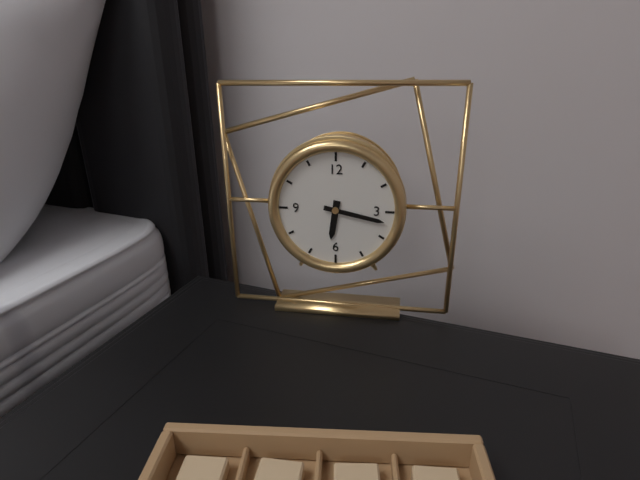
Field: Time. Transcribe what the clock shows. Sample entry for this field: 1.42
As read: 6.17
